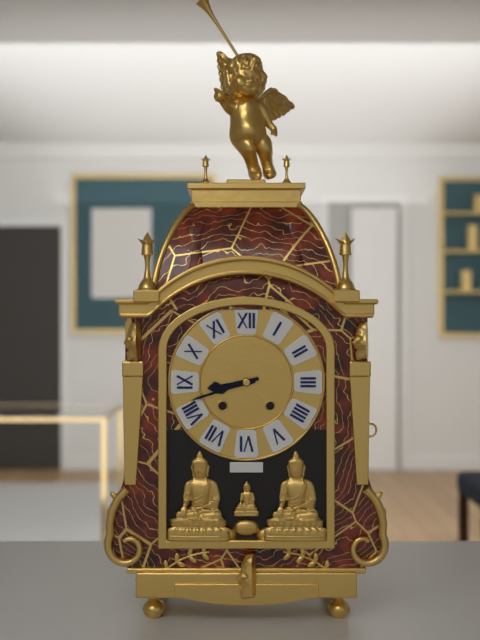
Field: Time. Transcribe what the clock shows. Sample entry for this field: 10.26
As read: 8.42
